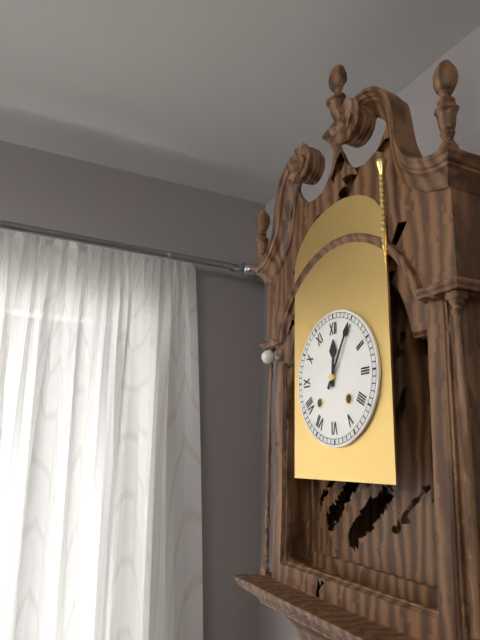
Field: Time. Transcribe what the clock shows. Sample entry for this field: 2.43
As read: 12.05
